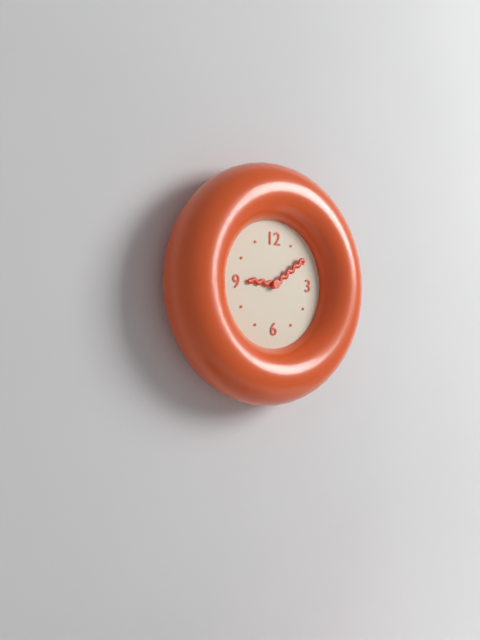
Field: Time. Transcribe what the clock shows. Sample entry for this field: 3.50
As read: 9.09
